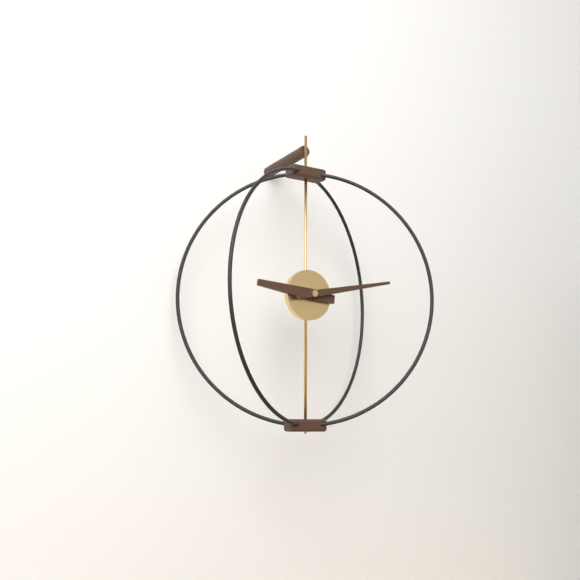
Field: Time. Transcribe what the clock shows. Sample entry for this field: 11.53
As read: 9.13
